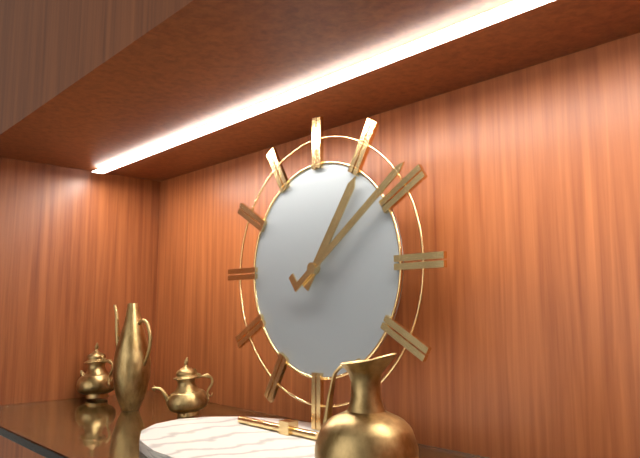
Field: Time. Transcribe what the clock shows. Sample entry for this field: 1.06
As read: 1.09
